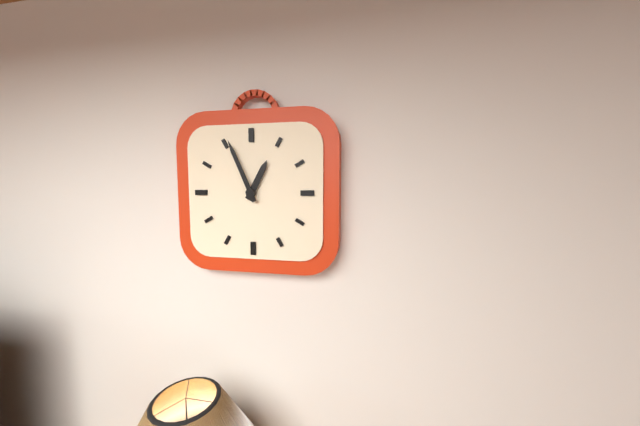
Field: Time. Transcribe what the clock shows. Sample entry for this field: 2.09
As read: 12.56
